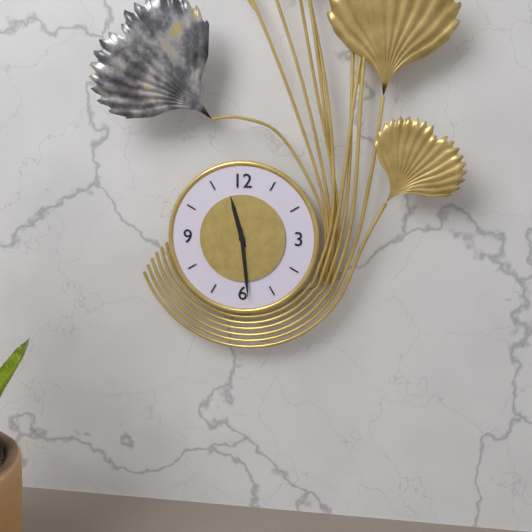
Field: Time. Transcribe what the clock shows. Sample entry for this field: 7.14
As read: 11.29
